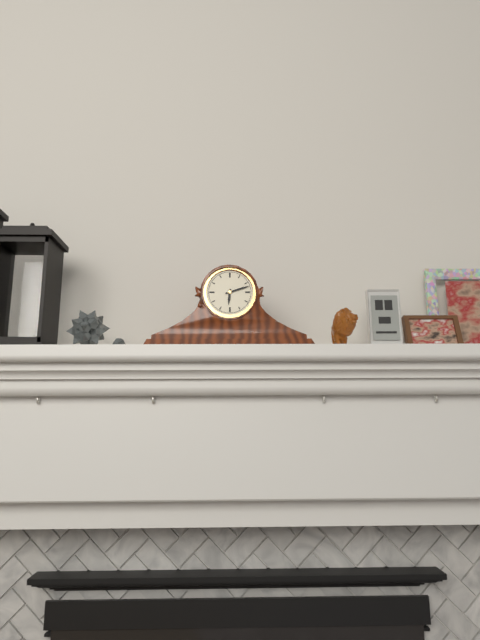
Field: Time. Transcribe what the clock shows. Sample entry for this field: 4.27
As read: 6.12
